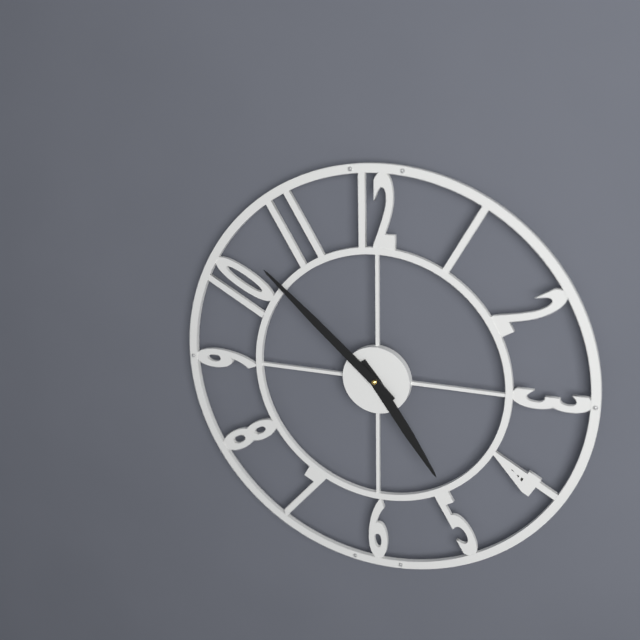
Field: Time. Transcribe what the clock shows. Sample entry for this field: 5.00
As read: 4.52
